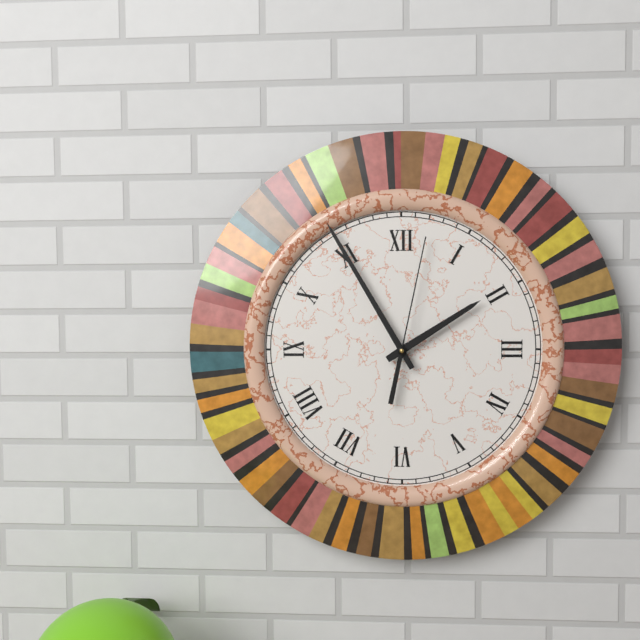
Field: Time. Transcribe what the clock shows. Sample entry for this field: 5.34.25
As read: 1.55.02
